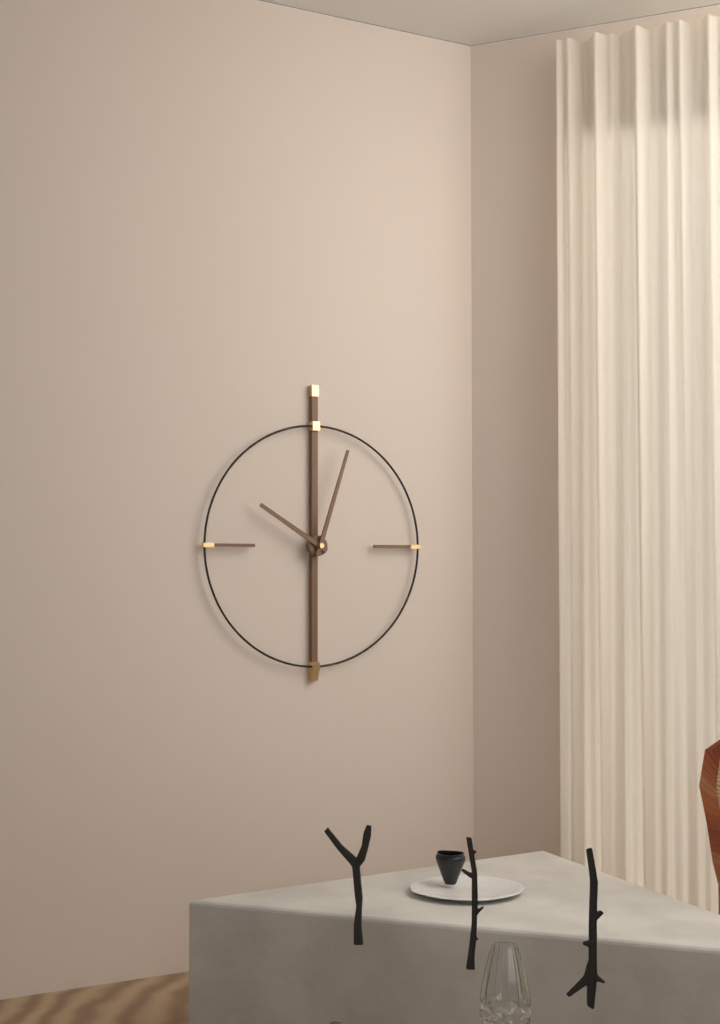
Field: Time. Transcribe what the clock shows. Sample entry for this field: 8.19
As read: 10.03
